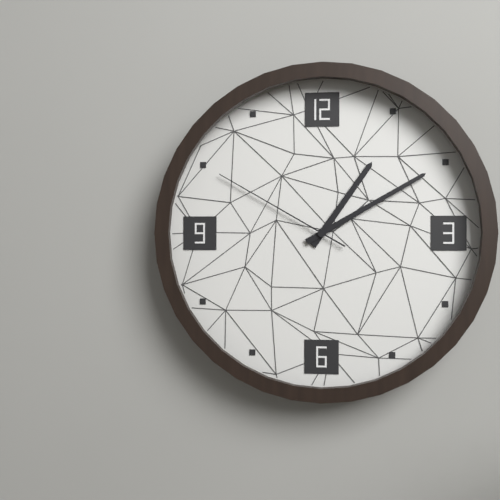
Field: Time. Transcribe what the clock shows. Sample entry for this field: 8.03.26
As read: 1.10.50
